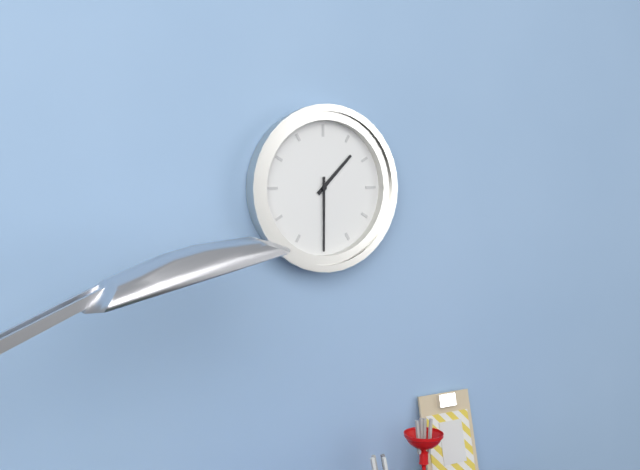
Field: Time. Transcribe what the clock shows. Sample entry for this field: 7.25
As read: 1.30
